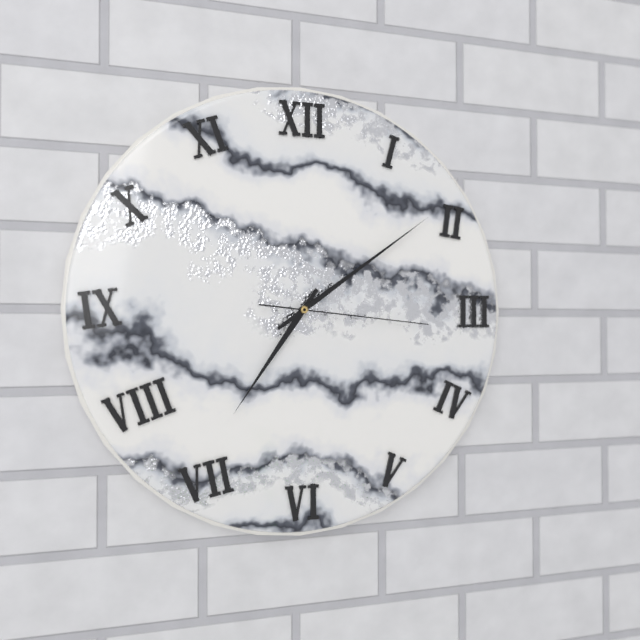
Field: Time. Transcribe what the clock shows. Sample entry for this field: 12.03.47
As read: 7.09.16
